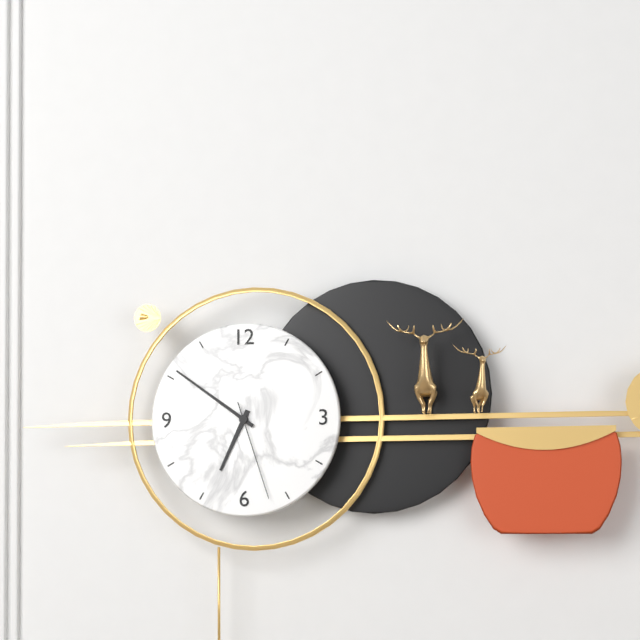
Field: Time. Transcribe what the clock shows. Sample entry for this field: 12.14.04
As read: 6.51.27
